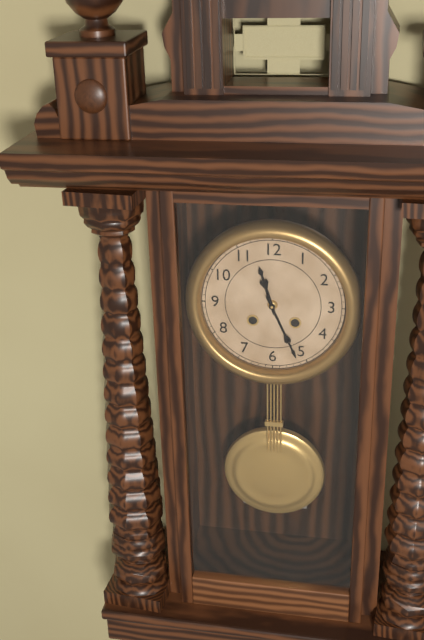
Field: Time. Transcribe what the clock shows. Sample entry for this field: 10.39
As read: 11.26
